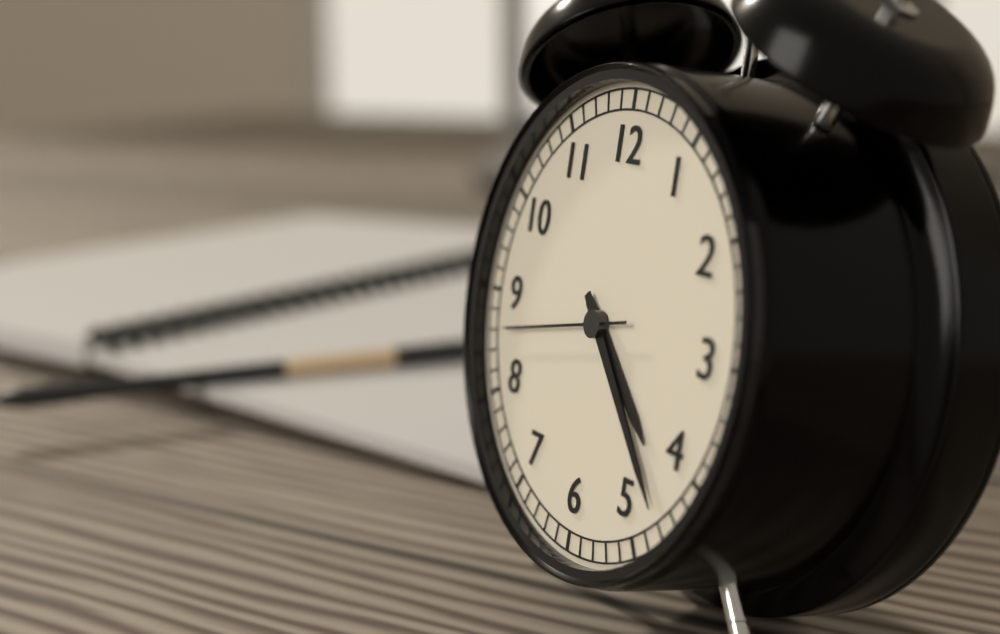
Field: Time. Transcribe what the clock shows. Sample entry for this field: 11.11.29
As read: 4.23.43
